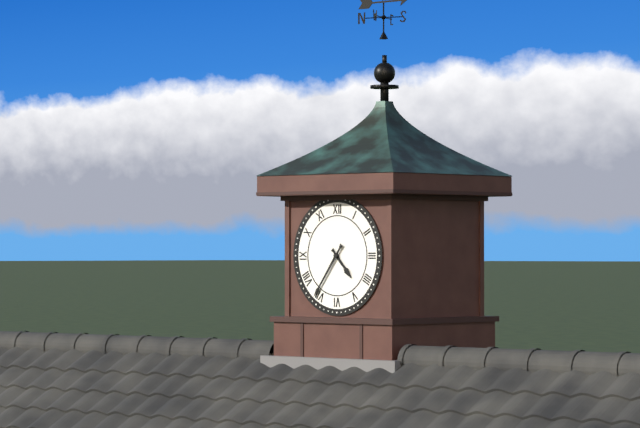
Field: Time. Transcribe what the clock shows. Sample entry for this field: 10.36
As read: 4.36
